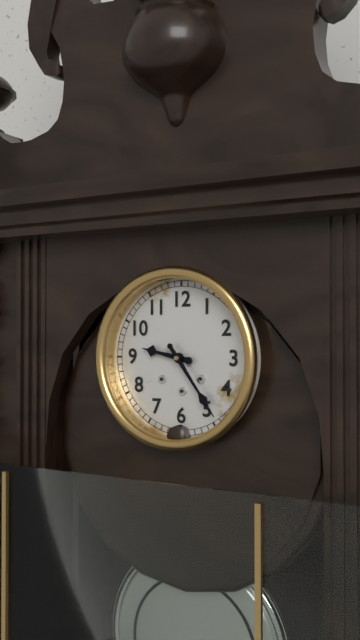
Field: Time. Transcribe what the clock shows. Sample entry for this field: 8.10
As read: 9.24
